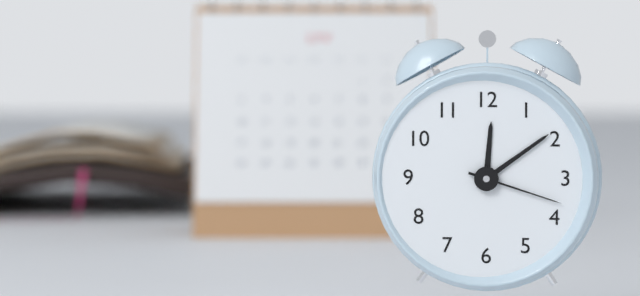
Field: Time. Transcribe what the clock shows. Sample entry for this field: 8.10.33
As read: 12.09.18
